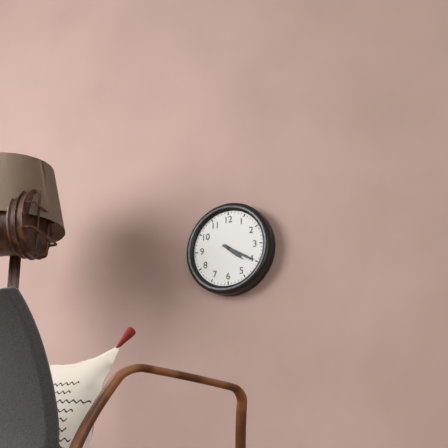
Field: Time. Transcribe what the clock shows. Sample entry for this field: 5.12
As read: 4.20
